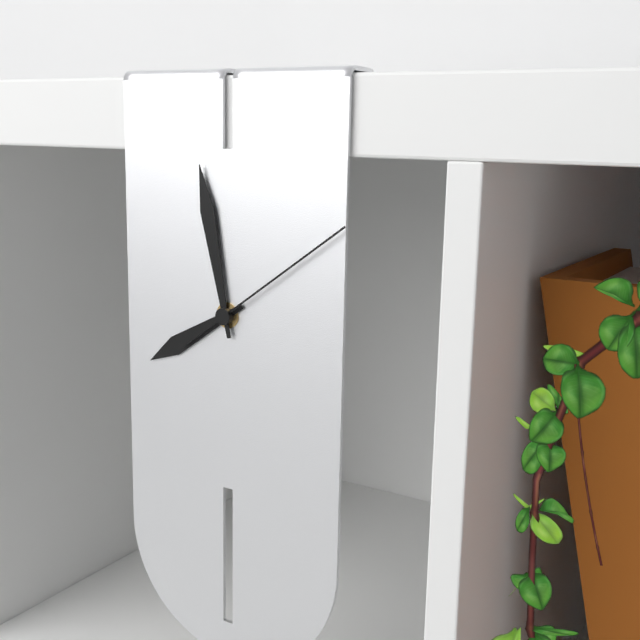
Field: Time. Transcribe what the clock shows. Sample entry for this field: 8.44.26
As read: 7.58.09
